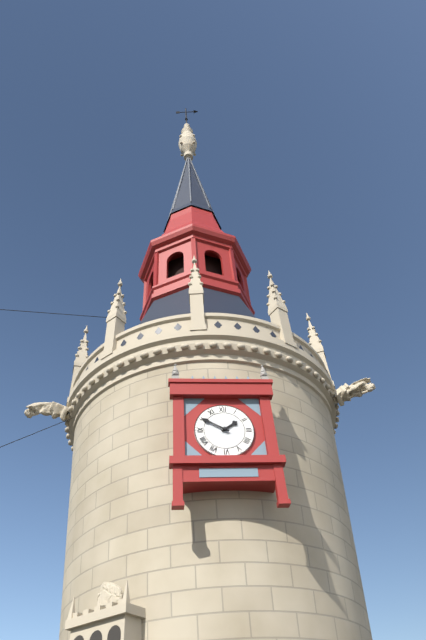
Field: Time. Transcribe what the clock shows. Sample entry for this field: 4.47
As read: 1.50
